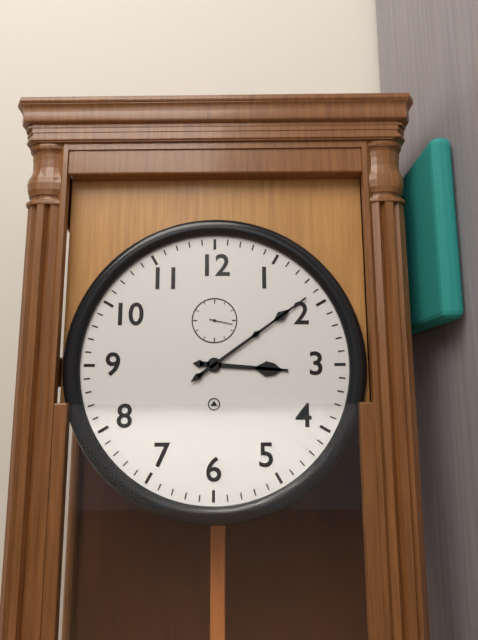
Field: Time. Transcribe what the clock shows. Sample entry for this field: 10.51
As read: 3.09
